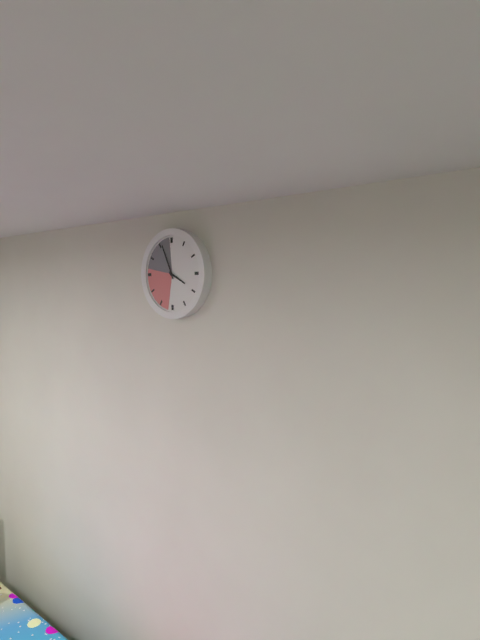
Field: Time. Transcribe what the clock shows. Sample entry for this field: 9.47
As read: 3.56
